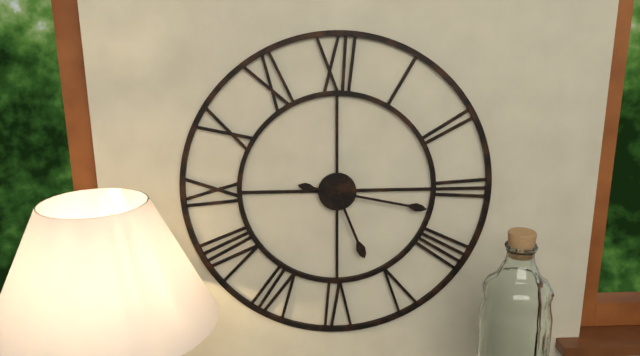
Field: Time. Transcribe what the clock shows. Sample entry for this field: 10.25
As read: 5.17
